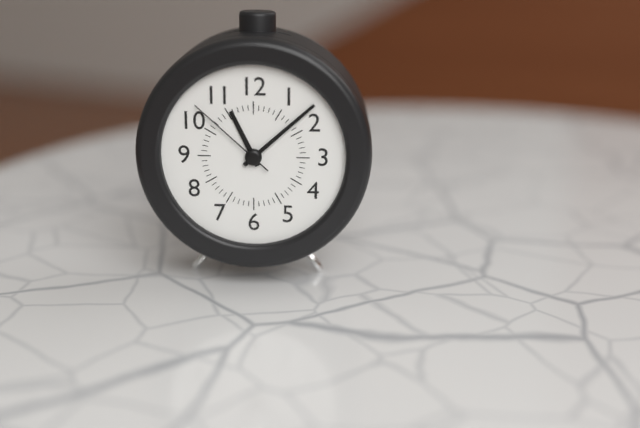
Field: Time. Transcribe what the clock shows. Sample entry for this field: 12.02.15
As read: 11.08.52
